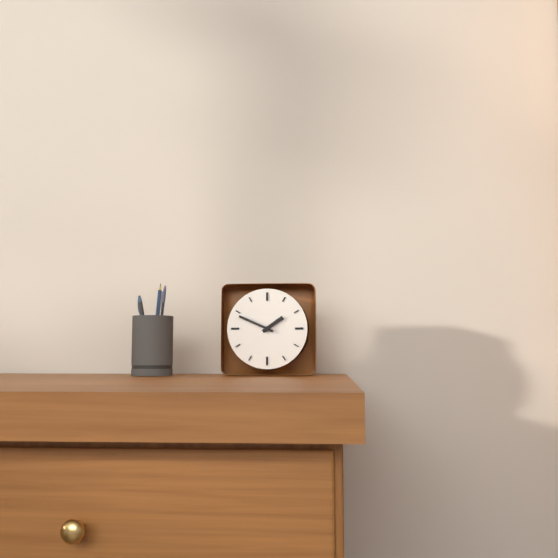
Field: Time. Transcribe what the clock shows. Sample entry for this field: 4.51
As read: 1.49
